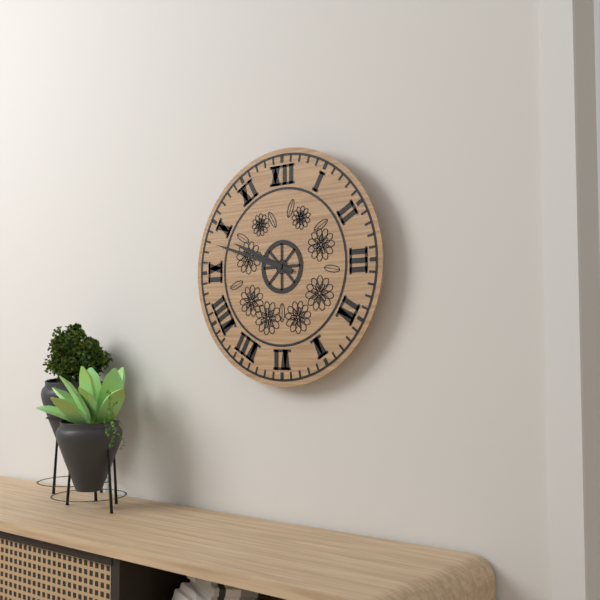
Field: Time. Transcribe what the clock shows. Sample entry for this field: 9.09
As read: 9.48
